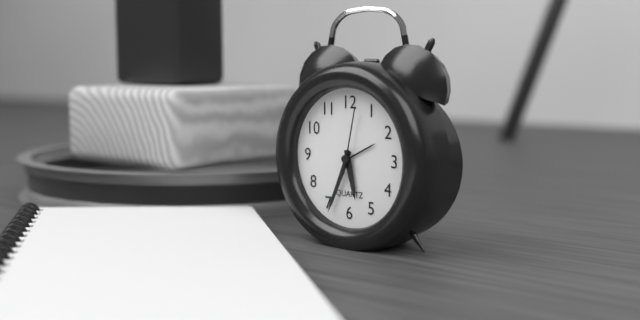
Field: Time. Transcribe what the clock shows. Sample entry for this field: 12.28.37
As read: 5.34.02
